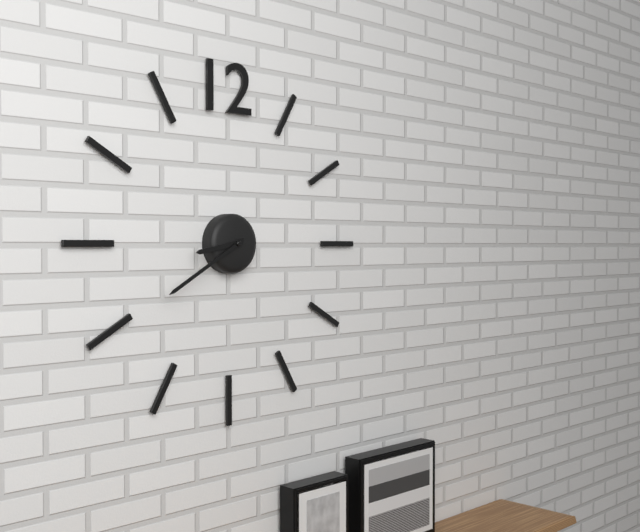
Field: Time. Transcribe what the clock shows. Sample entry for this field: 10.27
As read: 8.40
